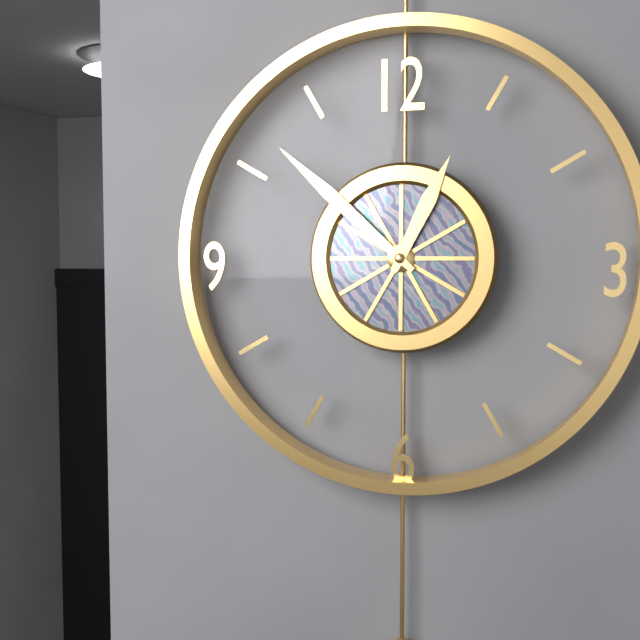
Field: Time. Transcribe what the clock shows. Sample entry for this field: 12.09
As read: 12.52
